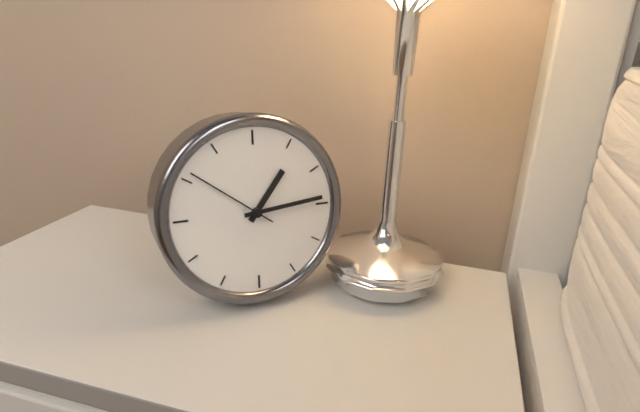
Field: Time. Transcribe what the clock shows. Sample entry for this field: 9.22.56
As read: 1.14.51
